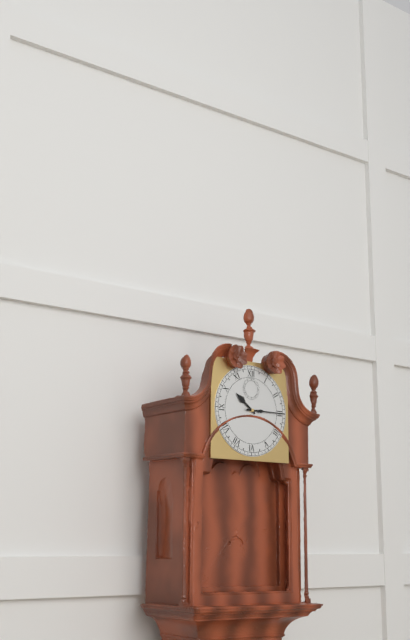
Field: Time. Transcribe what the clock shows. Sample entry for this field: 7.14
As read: 10.15
